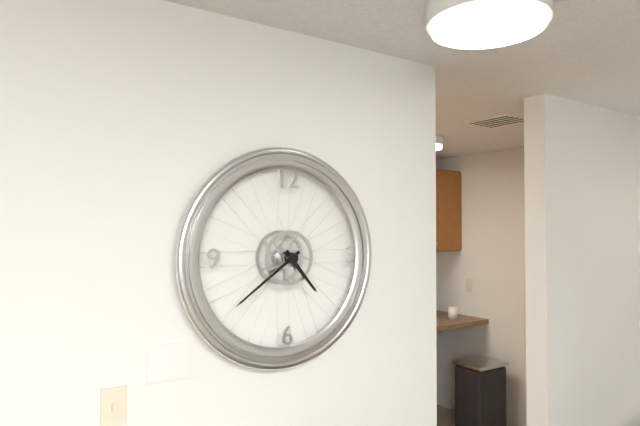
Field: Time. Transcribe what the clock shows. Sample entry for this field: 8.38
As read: 4.39
